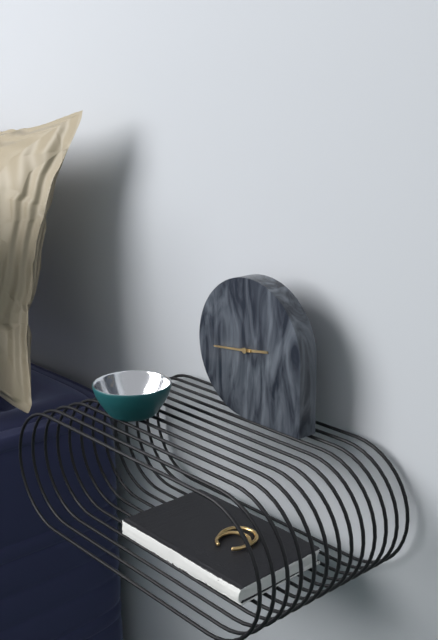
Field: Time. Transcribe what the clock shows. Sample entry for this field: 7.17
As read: 2.44
